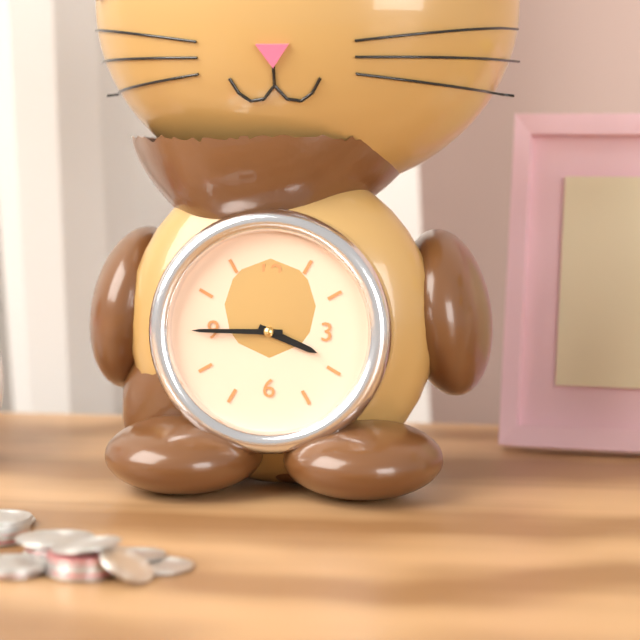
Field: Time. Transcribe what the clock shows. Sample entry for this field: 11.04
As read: 3.45
